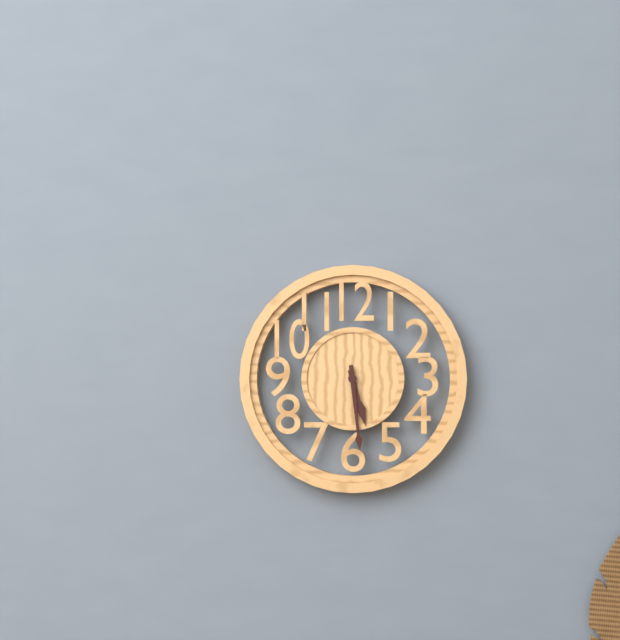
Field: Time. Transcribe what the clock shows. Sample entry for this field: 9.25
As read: 5.29
